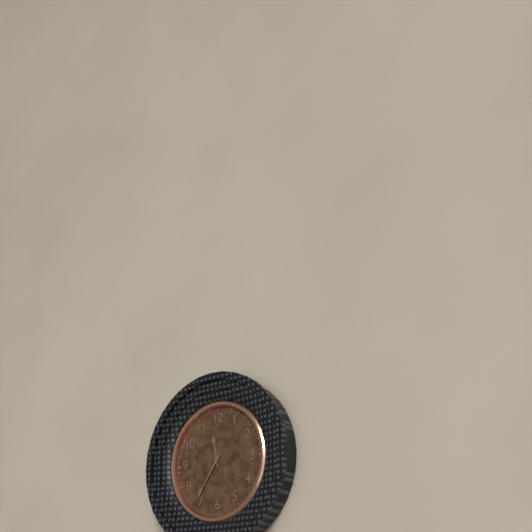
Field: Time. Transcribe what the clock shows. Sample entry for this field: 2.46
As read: 11.36
